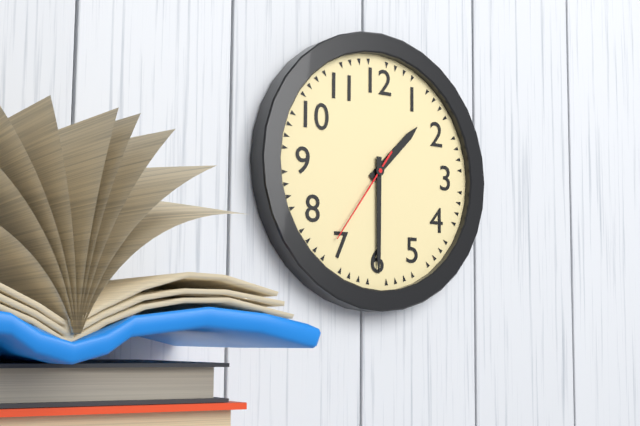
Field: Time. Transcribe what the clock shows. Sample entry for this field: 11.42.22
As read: 1.30.36
